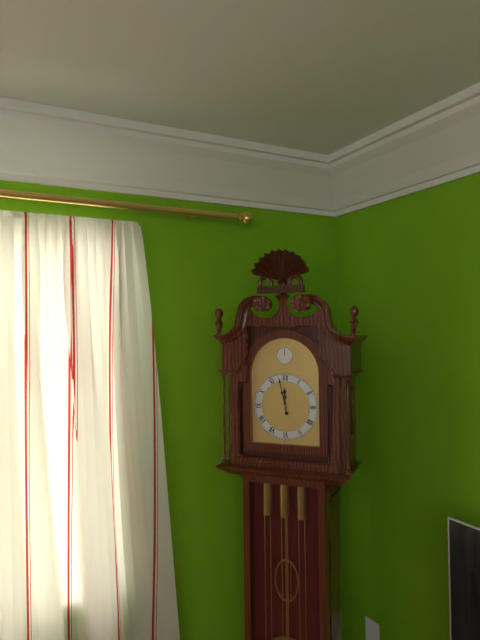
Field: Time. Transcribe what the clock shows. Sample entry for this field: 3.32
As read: 11.58
